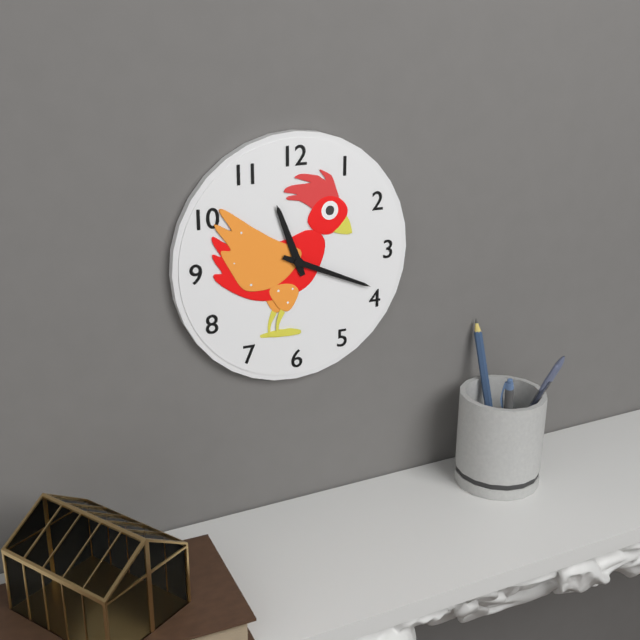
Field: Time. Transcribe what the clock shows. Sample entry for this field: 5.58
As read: 11.19
